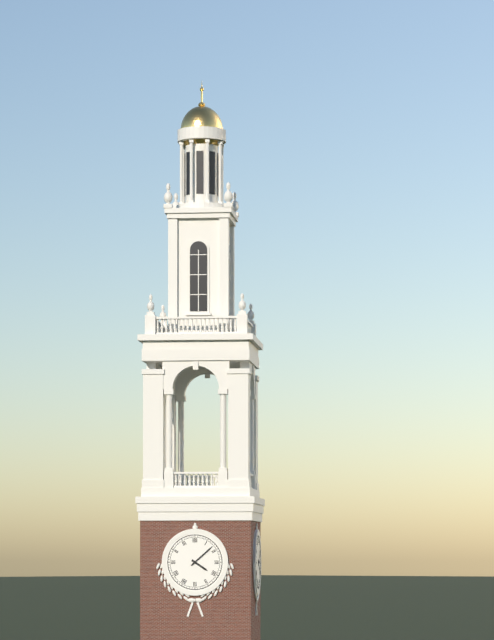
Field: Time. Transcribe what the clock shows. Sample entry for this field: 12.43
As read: 4.08
